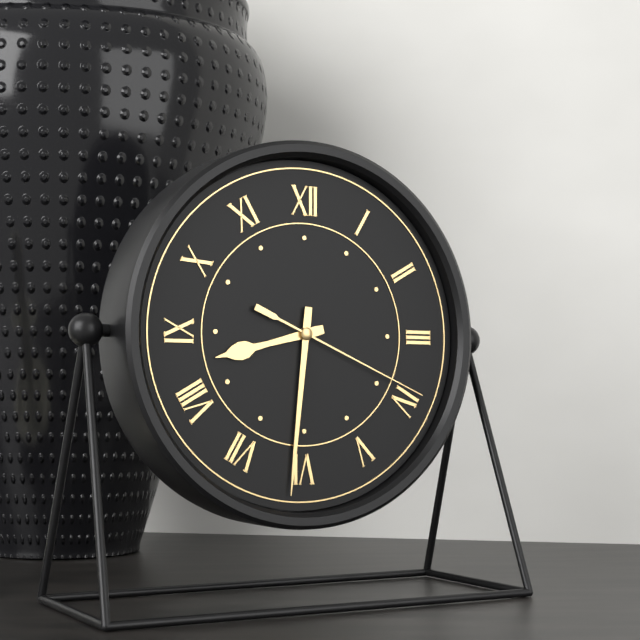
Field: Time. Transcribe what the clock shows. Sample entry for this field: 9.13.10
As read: 8.31.19
